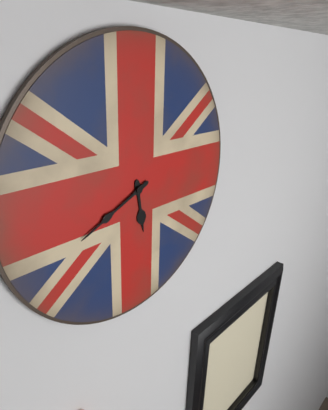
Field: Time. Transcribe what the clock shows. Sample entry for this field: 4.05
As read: 5.41
